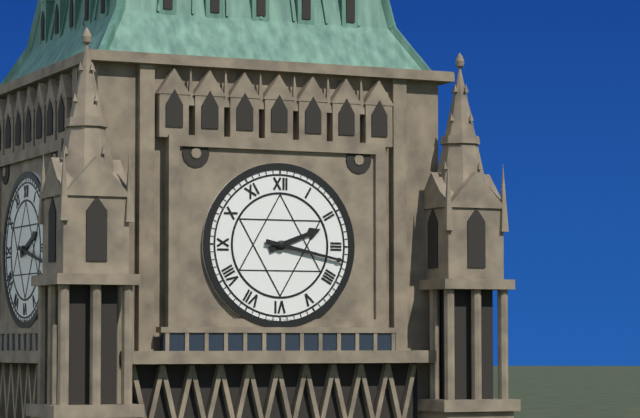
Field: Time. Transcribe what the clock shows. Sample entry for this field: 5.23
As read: 2.17
